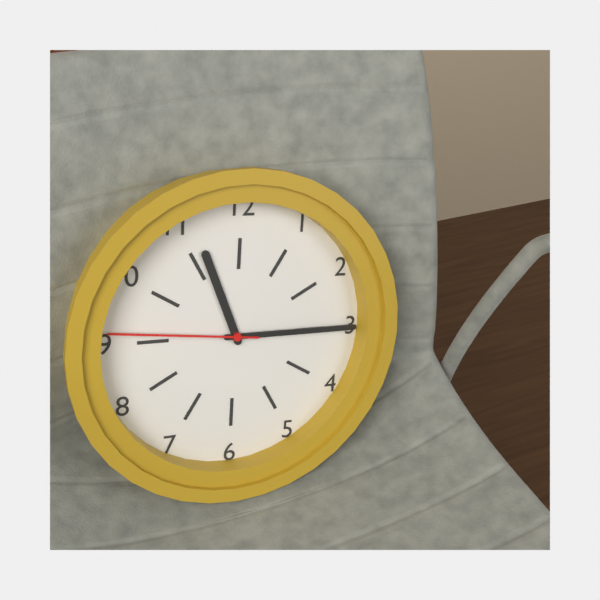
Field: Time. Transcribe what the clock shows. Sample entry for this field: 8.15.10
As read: 11.15.46
